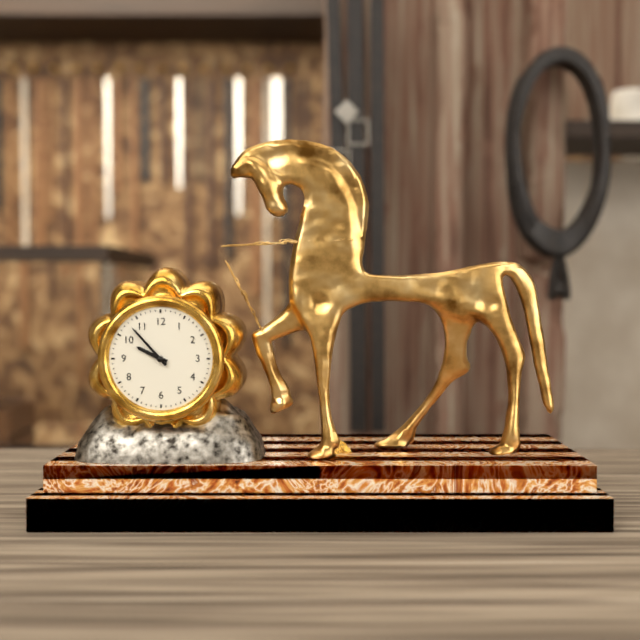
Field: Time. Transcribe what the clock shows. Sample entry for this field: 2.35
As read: 9.53
